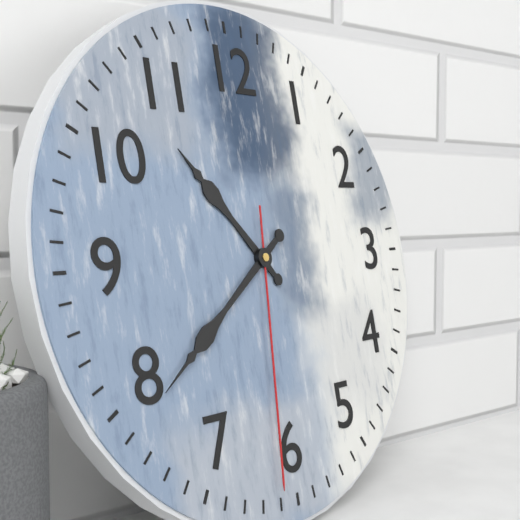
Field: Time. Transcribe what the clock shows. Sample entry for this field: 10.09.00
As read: 10.39.31
